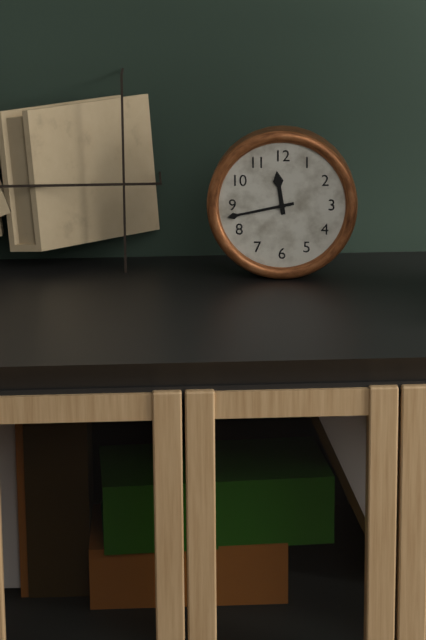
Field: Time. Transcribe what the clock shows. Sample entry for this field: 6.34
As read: 11.43
